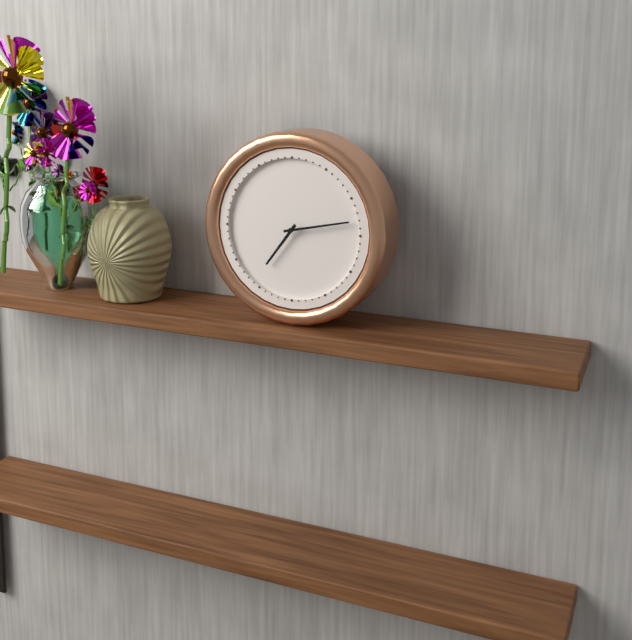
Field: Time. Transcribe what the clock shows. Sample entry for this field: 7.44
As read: 7.13
